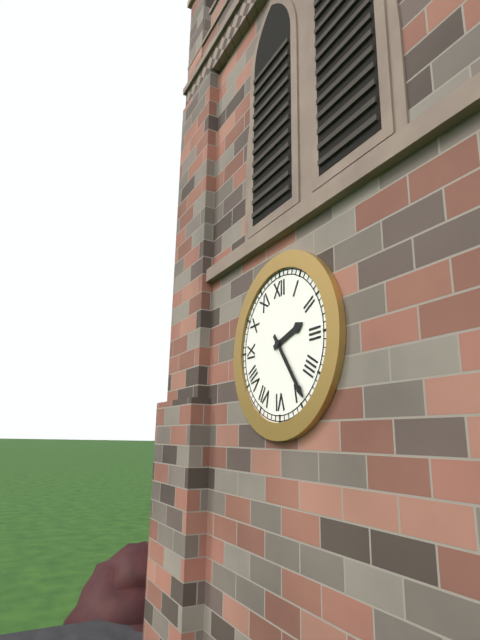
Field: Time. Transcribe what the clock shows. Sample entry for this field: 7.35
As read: 2.24
